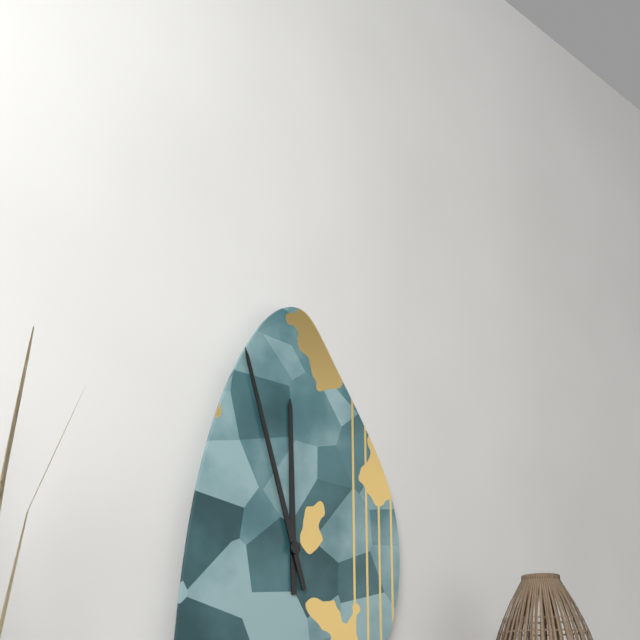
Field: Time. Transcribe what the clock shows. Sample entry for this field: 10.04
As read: 11.57
